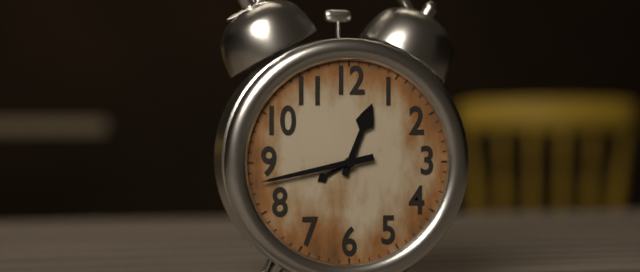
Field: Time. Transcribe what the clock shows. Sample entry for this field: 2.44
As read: 12.43
